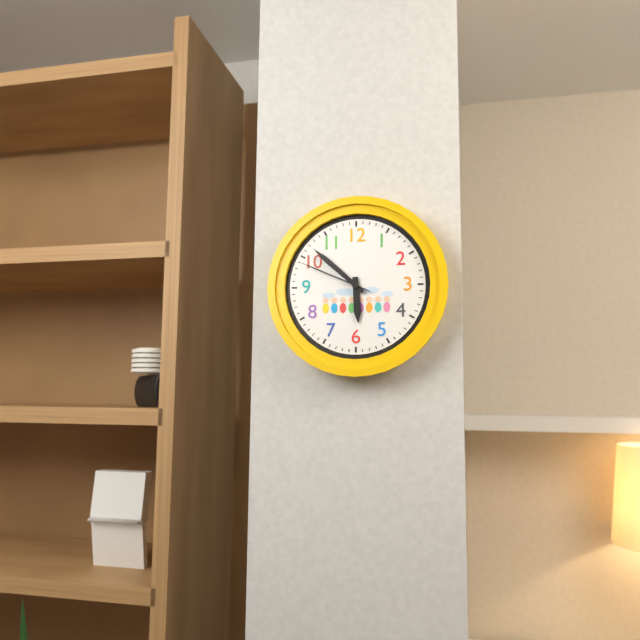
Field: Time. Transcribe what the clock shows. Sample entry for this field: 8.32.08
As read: 5.52.49
